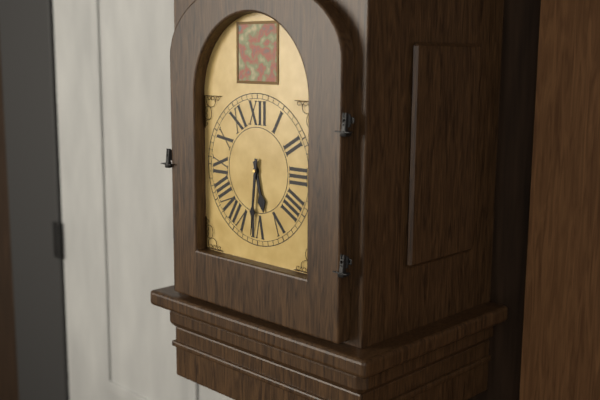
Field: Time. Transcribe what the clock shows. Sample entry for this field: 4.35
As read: 5.31
